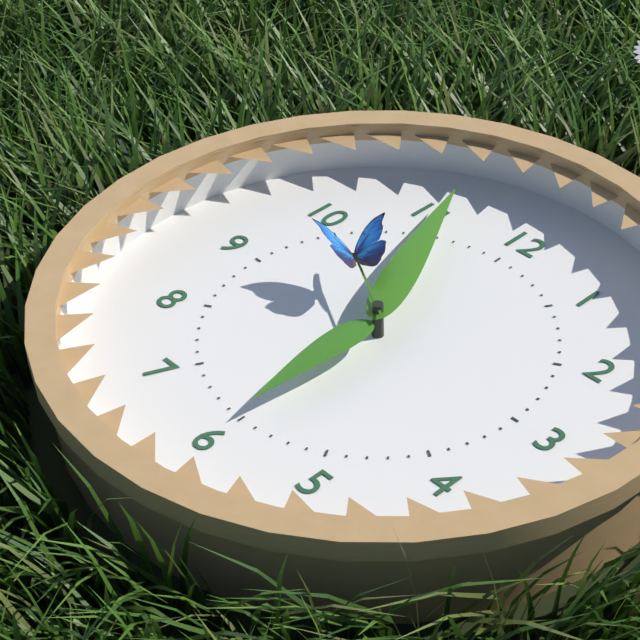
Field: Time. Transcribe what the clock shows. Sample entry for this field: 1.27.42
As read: 5.56.50
